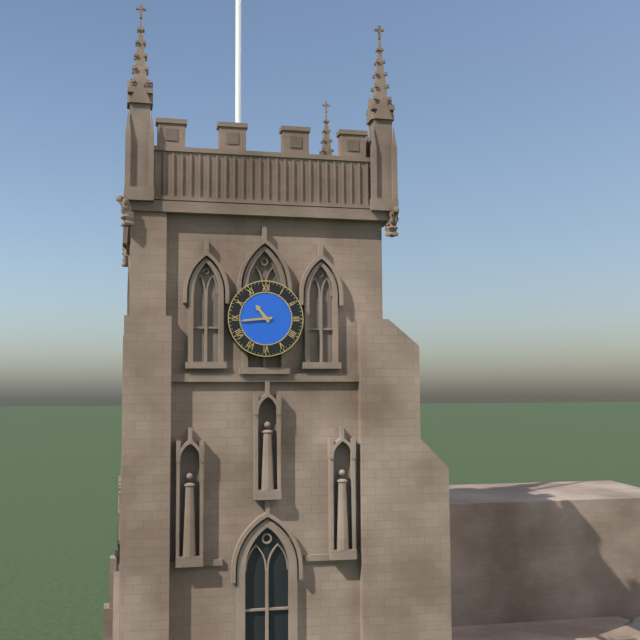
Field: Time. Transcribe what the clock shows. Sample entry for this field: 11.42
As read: 10.44
